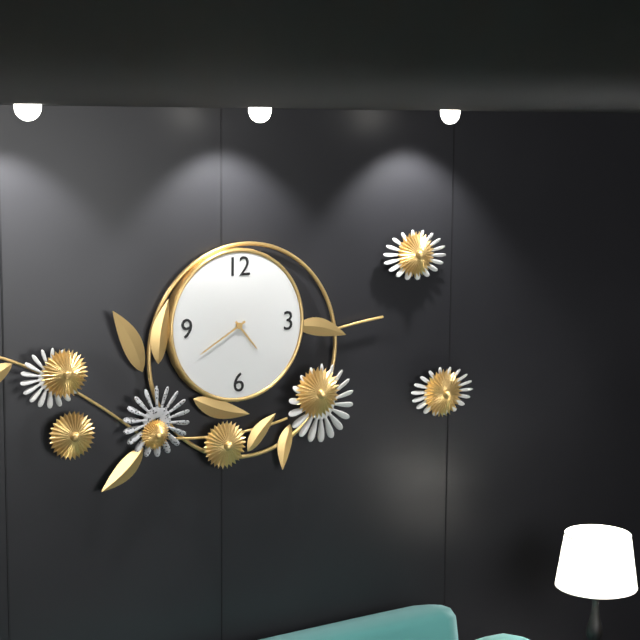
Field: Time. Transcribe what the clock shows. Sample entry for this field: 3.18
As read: 4.40
